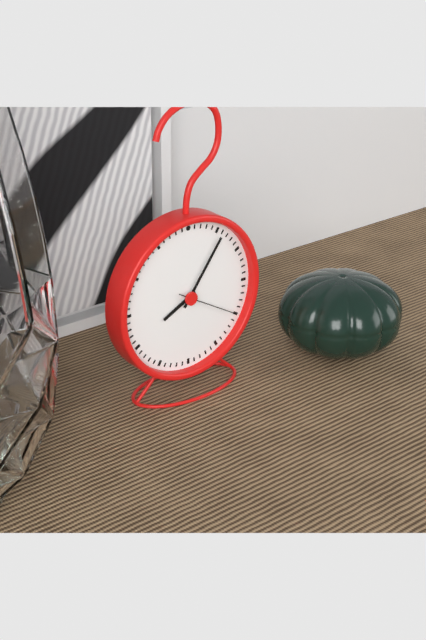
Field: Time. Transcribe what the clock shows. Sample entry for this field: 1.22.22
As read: 8.06.20
